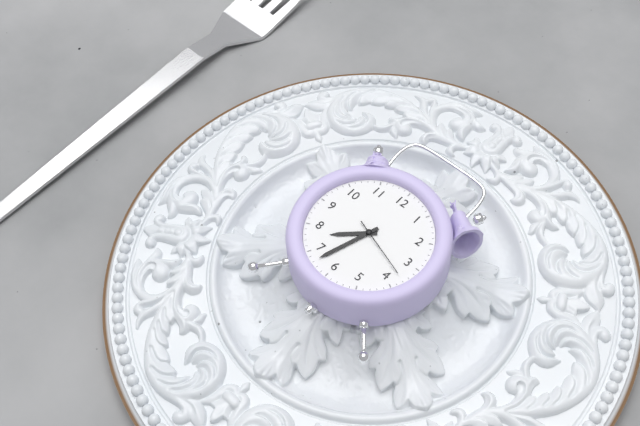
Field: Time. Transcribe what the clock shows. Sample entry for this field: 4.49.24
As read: 7.33.18
